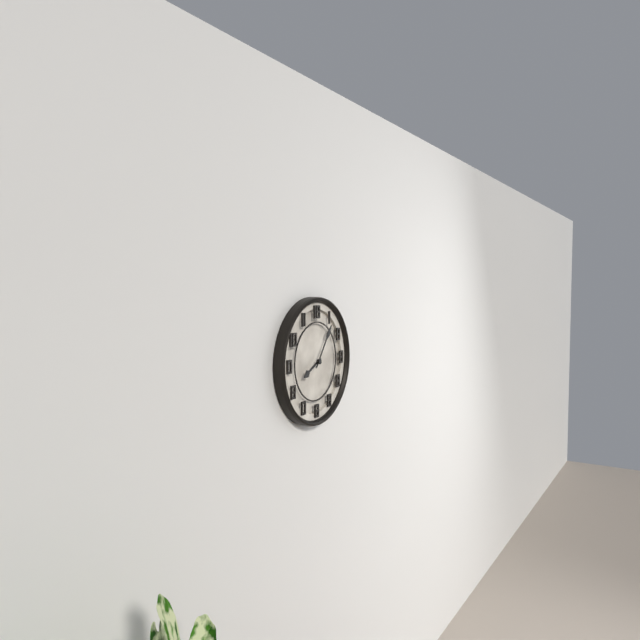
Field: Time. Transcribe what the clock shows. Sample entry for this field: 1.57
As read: 8.06
